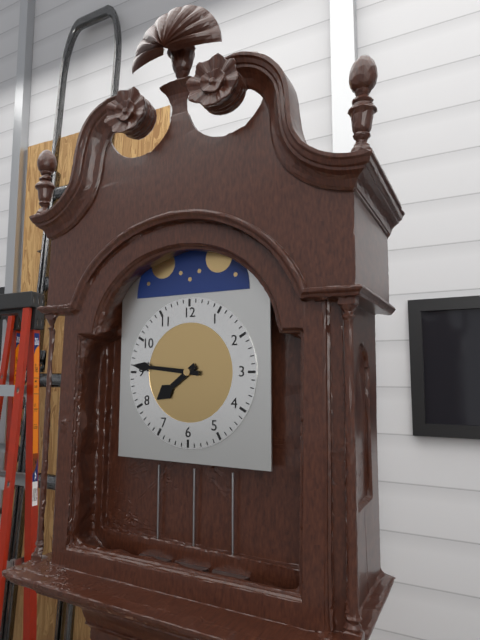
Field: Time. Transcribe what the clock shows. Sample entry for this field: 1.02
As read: 7.46
